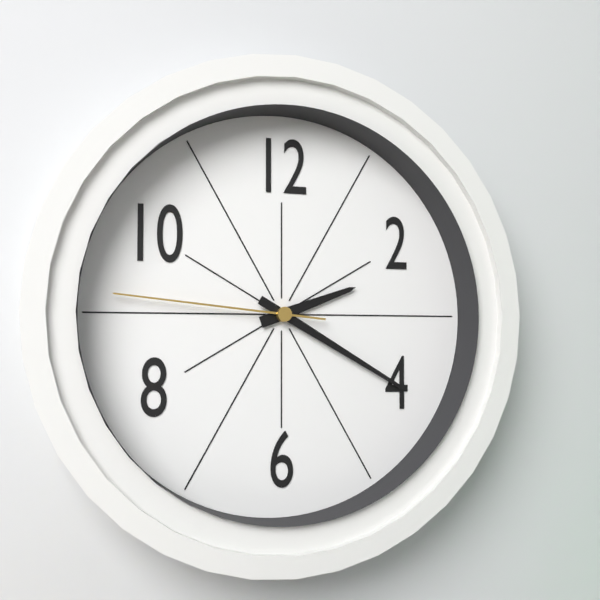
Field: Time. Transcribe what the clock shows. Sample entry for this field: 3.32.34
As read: 2.20.46
